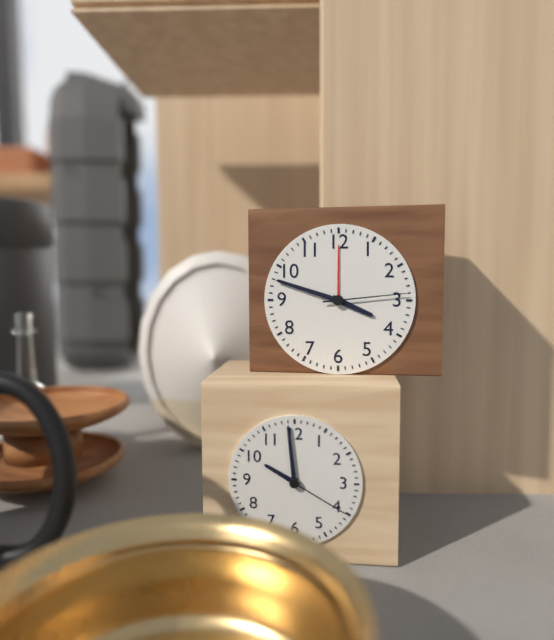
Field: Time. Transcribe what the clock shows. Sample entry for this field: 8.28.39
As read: 3.48.14
